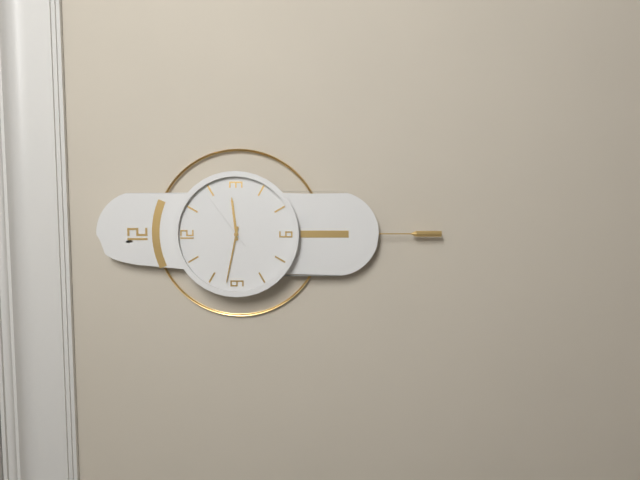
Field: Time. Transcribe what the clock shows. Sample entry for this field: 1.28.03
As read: 2.47.09
